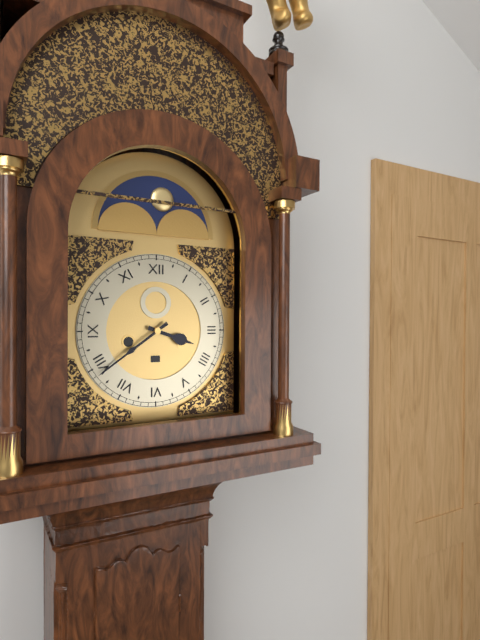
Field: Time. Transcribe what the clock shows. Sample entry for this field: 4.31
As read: 3.39
